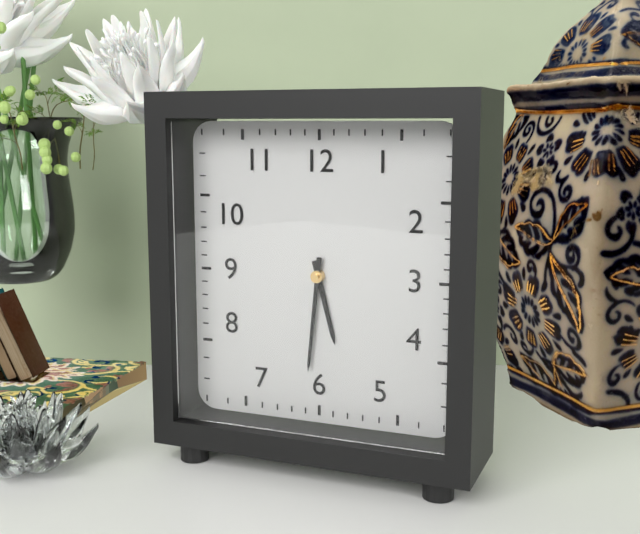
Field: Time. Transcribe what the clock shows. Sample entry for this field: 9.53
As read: 5.31
